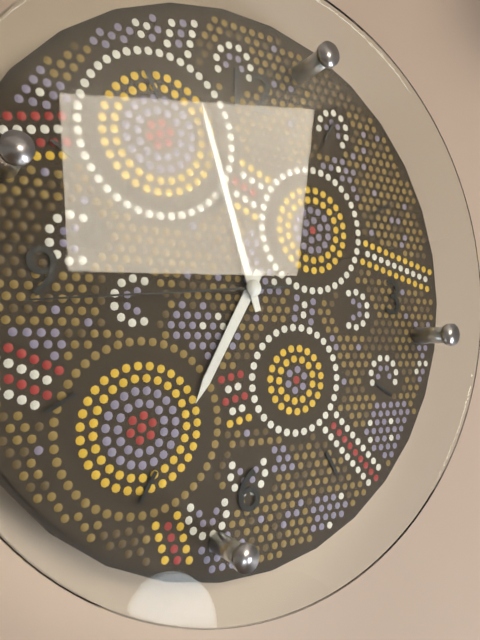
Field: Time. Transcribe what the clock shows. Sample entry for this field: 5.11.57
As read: 6.57.44
